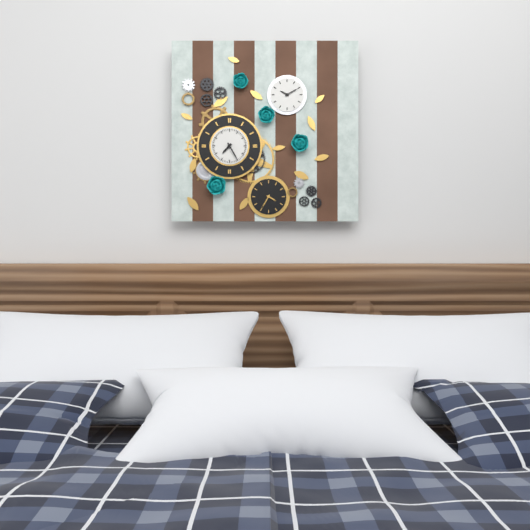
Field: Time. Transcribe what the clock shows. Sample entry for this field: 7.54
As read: 7.25
